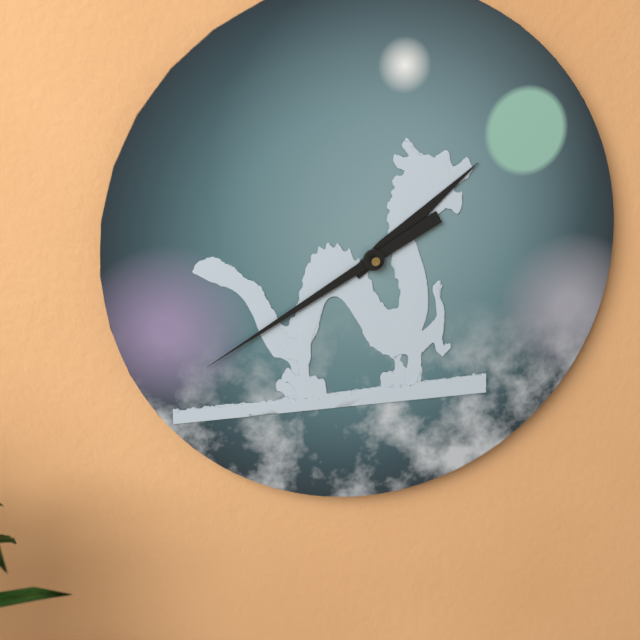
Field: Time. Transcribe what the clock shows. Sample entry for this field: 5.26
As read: 1.40
